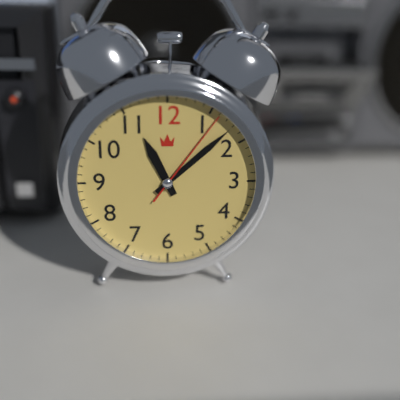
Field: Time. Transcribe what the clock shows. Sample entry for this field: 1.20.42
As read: 11.08.06
